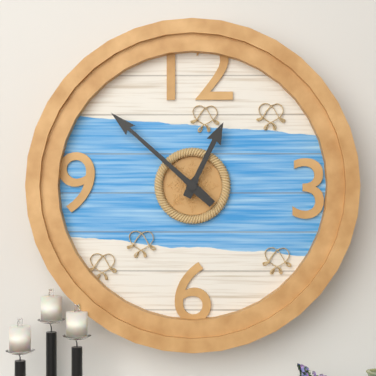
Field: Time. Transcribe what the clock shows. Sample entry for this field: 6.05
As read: 12.52
